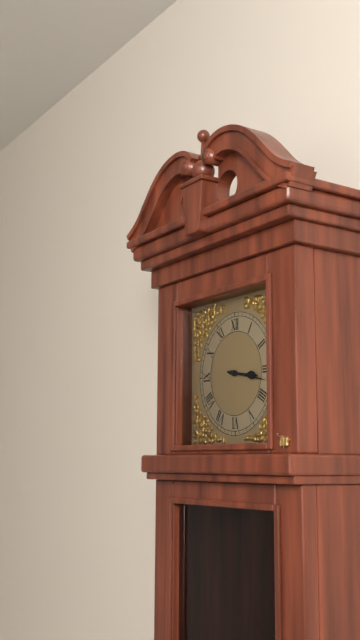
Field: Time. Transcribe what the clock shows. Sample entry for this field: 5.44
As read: 3.17
